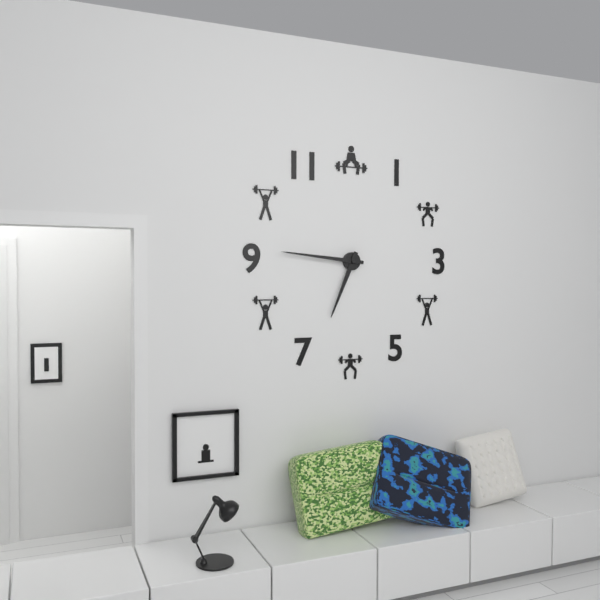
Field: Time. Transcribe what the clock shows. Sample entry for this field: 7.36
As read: 6.46
